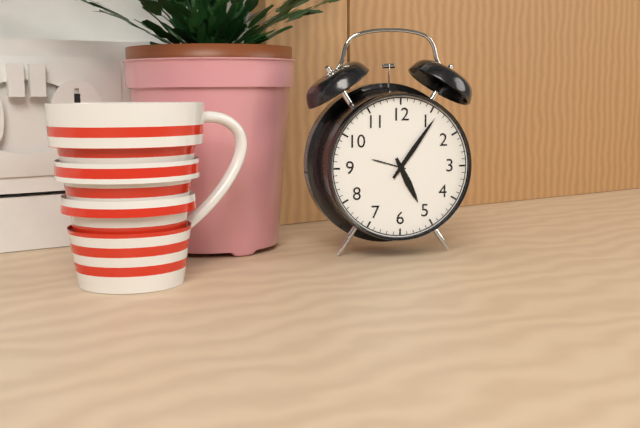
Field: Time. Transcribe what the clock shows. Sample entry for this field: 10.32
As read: 5.06
